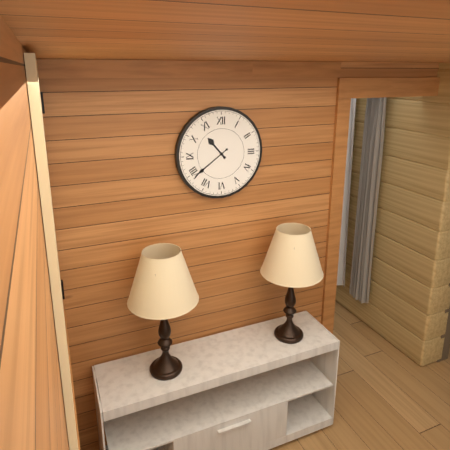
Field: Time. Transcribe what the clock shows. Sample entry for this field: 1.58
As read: 10.39
